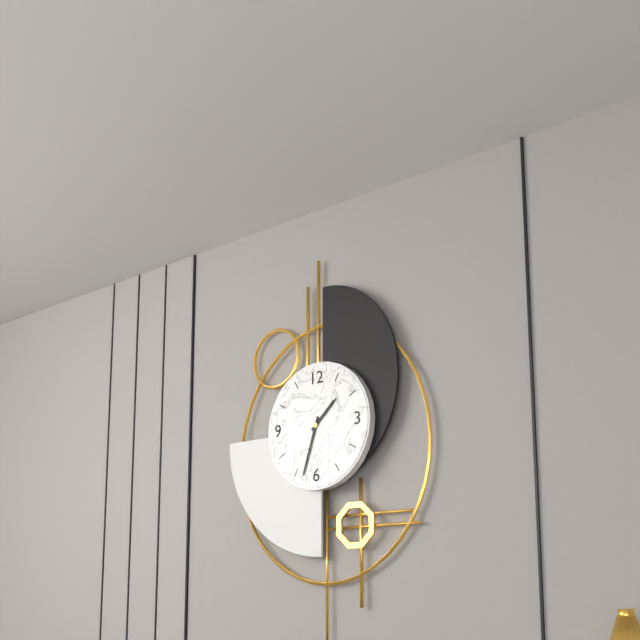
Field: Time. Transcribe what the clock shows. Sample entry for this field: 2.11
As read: 1.33
